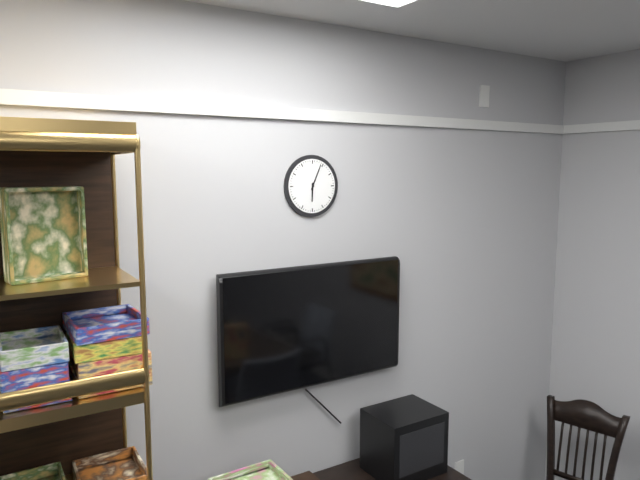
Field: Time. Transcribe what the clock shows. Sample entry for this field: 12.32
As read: 6.04
